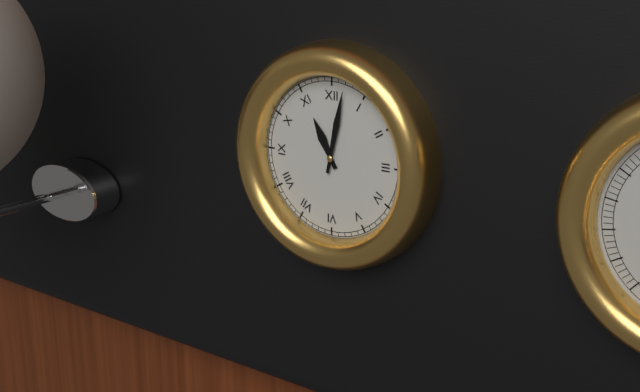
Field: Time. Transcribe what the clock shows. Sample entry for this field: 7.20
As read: 11.02
